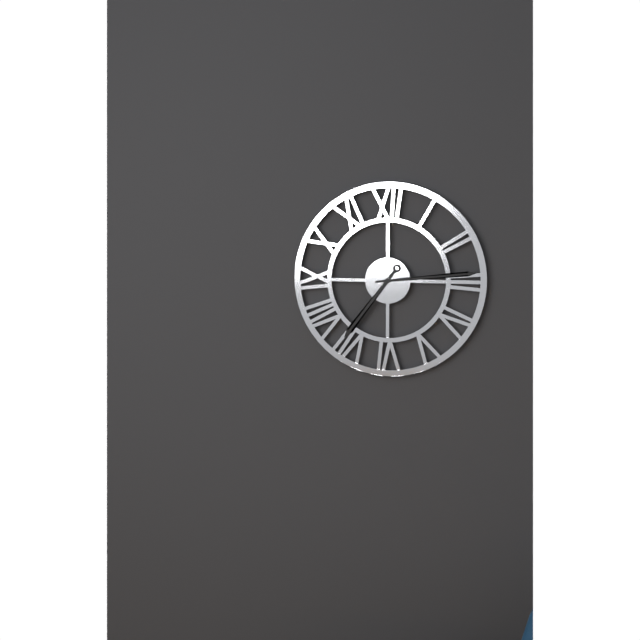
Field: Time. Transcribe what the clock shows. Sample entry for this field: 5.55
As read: 7.14
